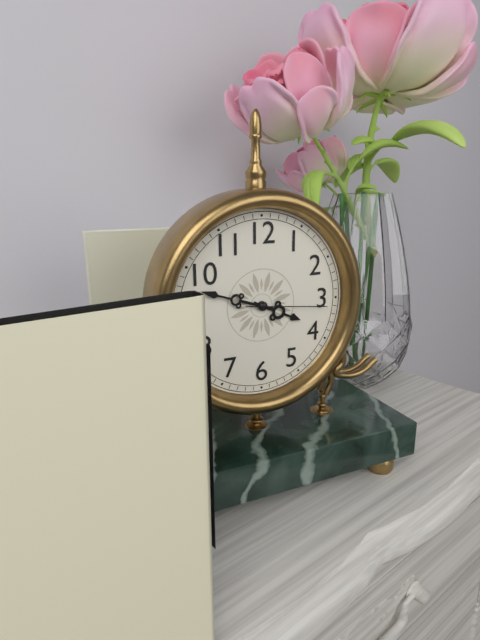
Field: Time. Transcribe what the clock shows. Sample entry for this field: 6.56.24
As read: 3.48.16
